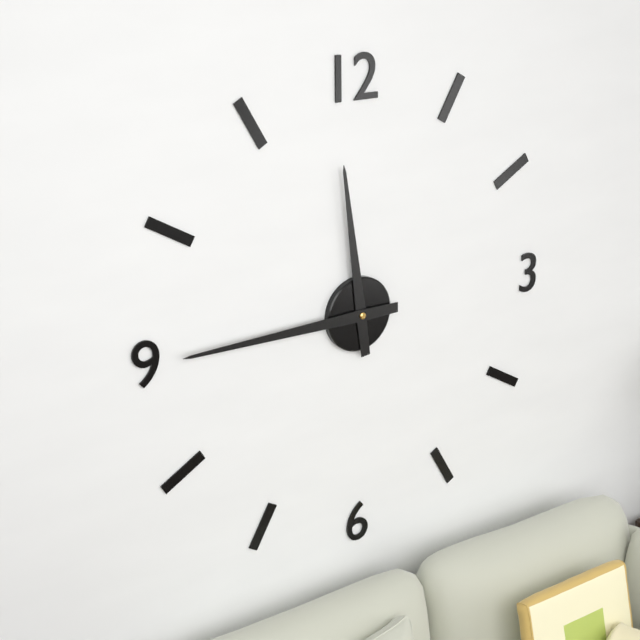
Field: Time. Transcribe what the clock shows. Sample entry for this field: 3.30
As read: 11.45
